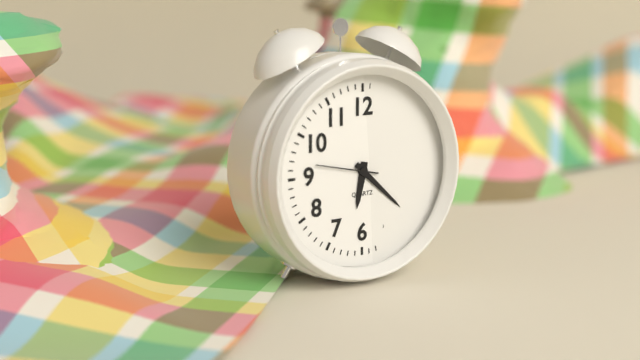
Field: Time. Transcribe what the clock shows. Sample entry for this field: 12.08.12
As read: 6.22.47
